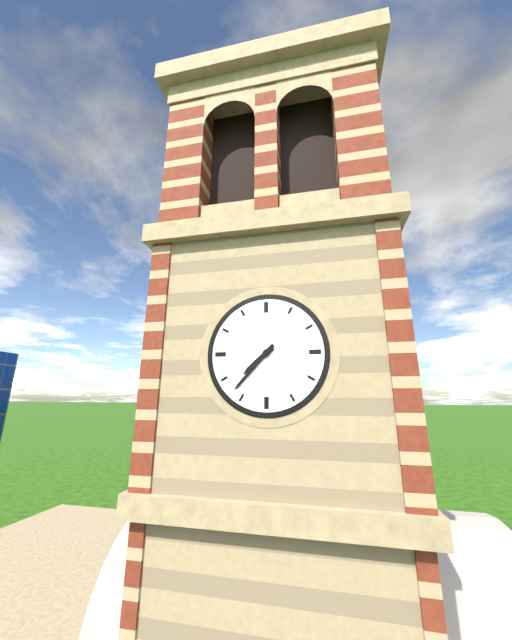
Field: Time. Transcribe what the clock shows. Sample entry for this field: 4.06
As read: 7.37
